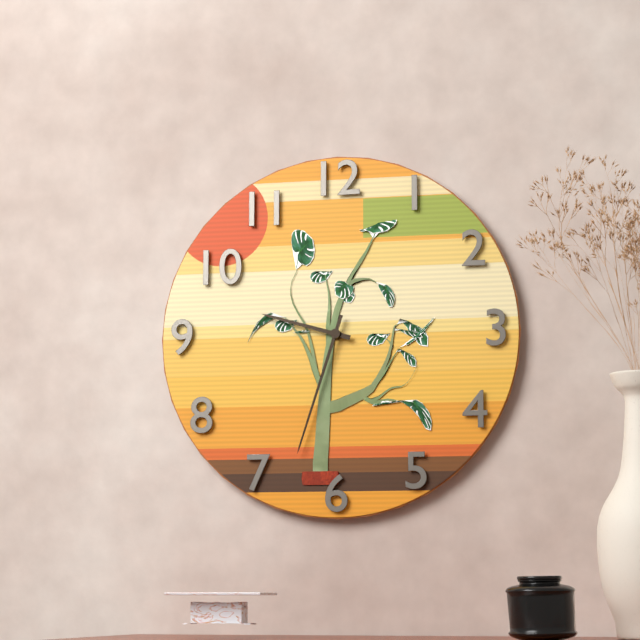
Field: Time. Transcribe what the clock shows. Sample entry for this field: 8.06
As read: 9.33
